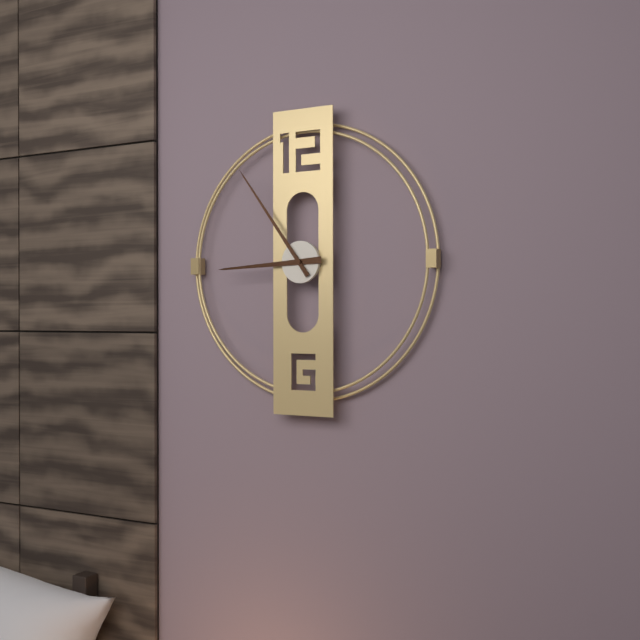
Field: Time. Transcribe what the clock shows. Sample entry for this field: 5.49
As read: 8.54
